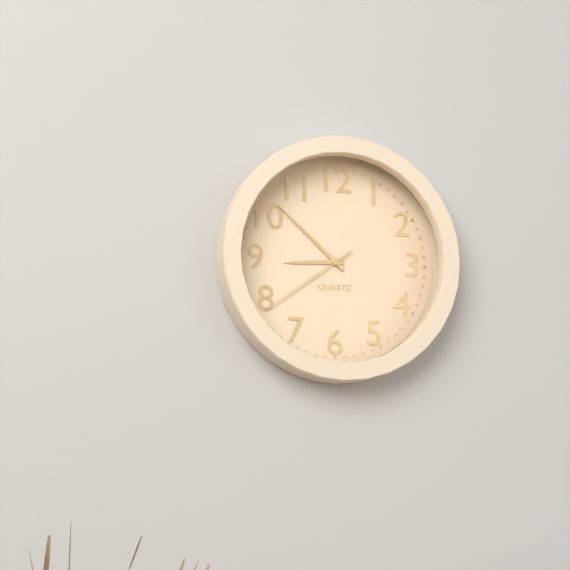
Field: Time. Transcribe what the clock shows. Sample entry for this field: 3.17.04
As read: 8.52.39
